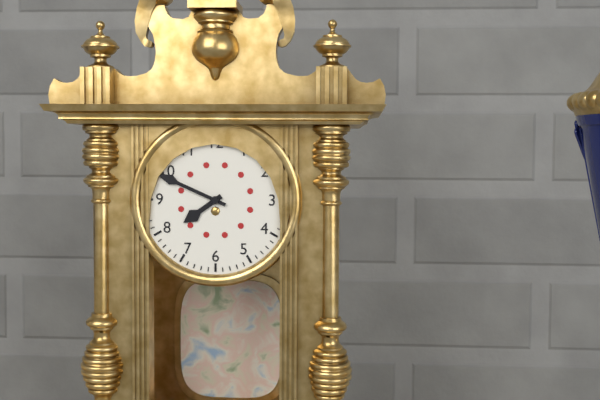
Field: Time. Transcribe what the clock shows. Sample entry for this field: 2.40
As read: 7.49
